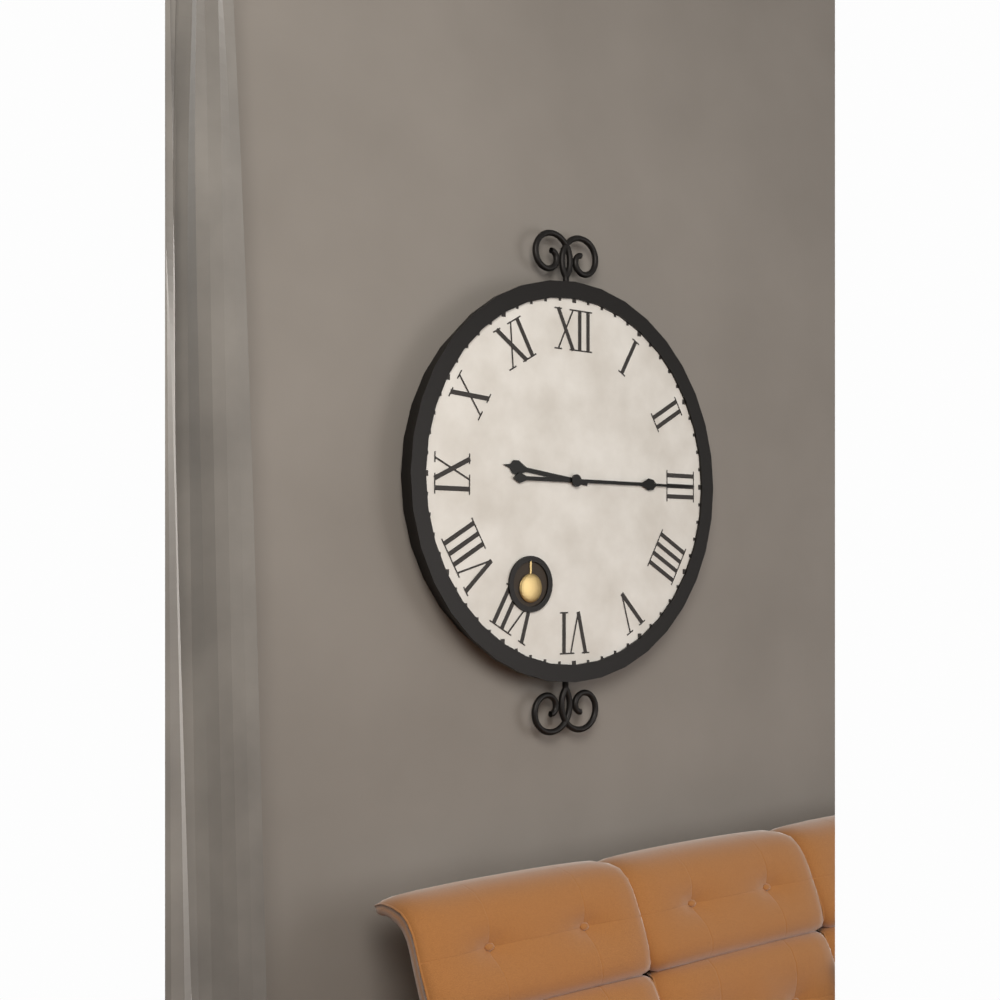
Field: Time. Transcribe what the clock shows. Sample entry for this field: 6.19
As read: 9.15
